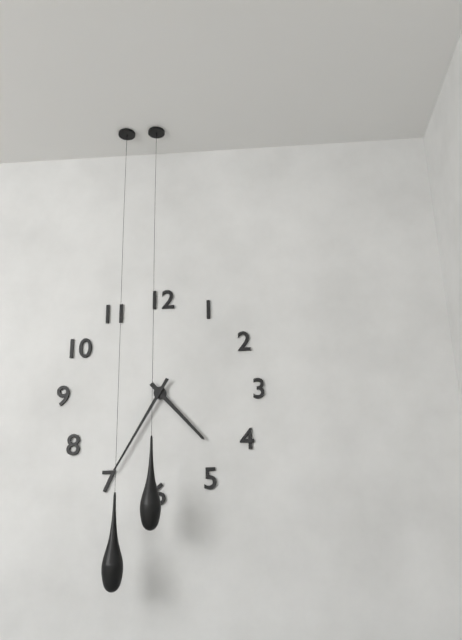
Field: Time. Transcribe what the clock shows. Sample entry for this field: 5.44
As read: 4.35
